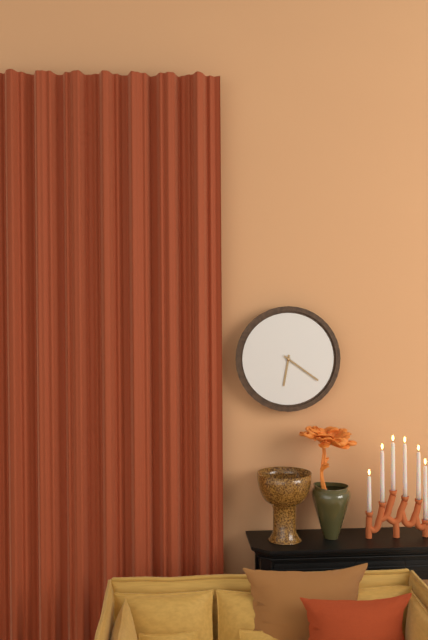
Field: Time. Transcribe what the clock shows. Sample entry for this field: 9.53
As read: 6.21
